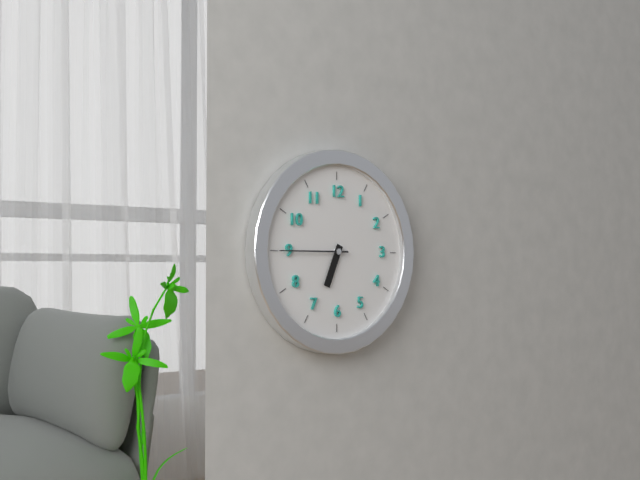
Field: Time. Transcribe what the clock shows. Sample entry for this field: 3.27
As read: 6.45
